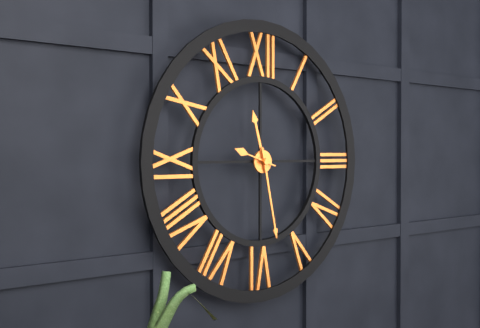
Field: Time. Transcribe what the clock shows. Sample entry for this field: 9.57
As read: 11.28
